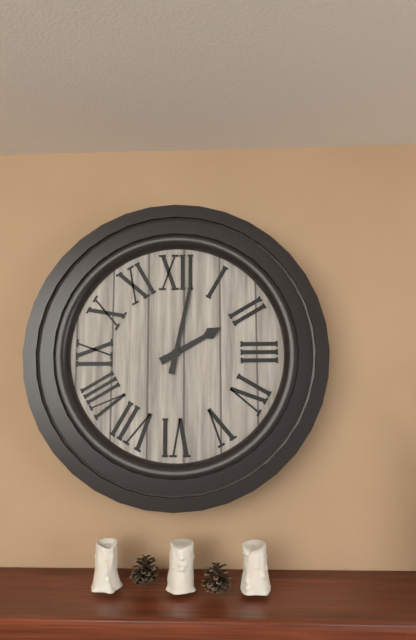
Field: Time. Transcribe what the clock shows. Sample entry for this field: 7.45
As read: 2.02
